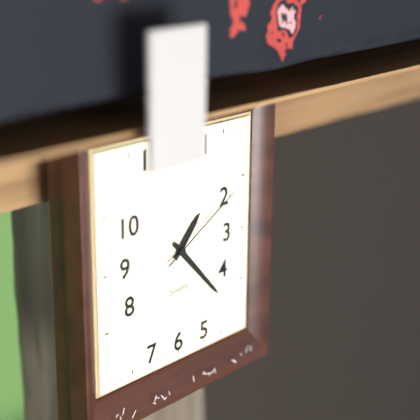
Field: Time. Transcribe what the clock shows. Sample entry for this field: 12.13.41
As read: 1.23.10
